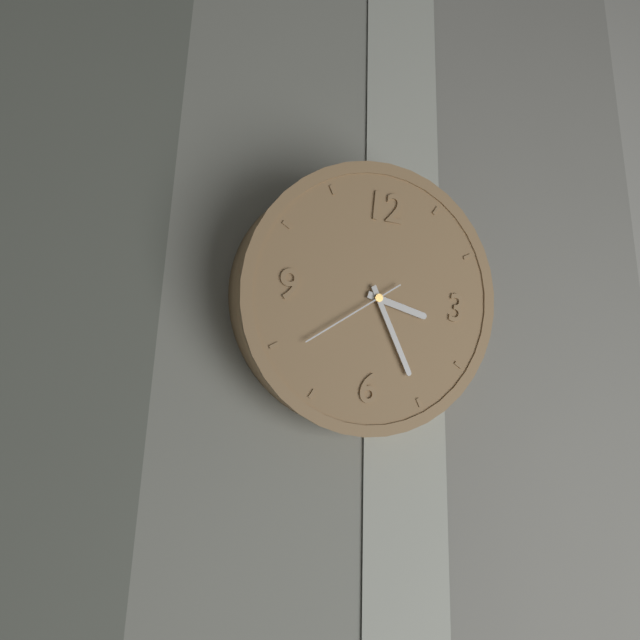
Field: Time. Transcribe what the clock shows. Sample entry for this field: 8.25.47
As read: 3.25.39
